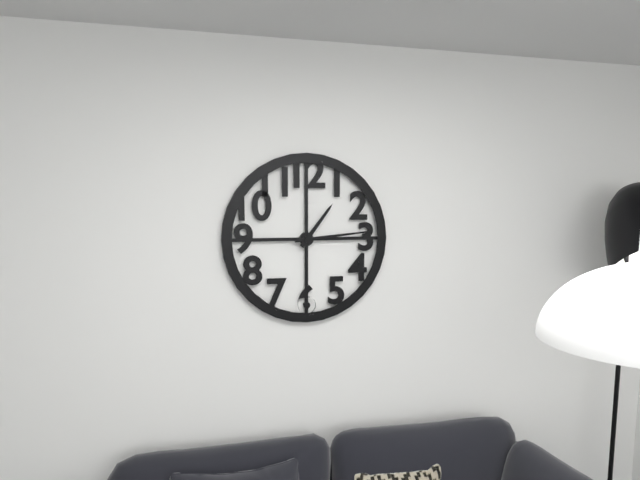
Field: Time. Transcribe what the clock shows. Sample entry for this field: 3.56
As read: 1.14
